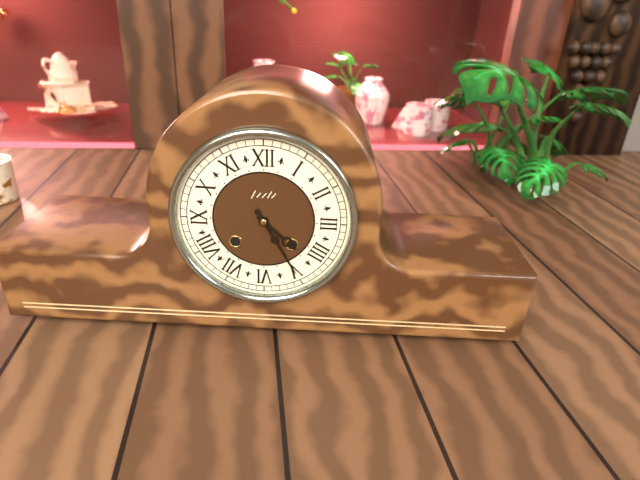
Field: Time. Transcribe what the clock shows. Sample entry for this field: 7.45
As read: 4.25
